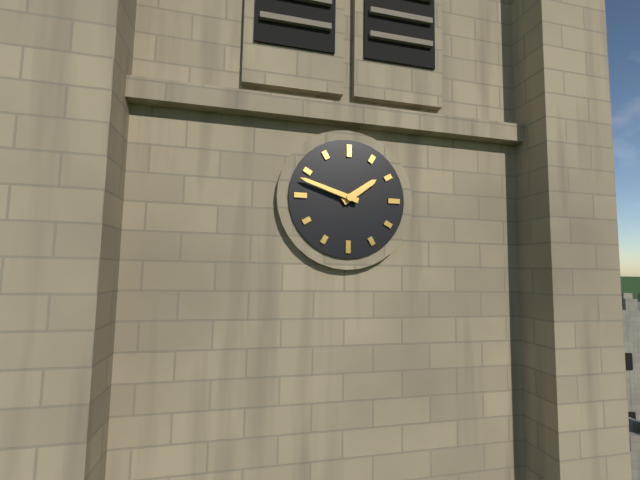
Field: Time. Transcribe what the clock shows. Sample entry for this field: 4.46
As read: 1.48
